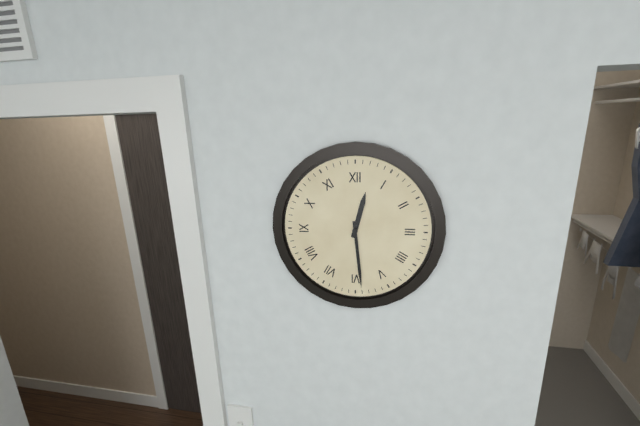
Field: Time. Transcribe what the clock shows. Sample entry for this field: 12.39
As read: 12.29
